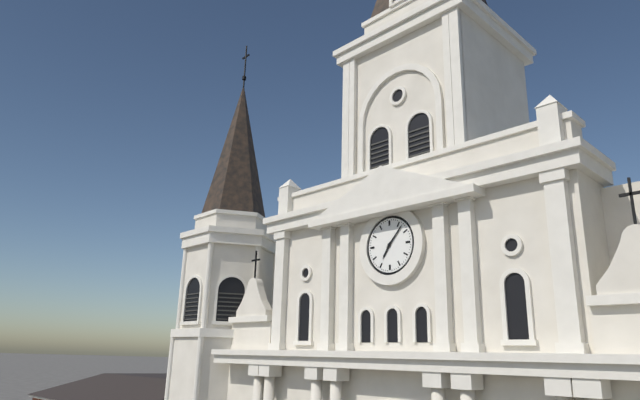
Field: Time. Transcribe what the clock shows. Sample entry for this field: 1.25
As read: 7.07
